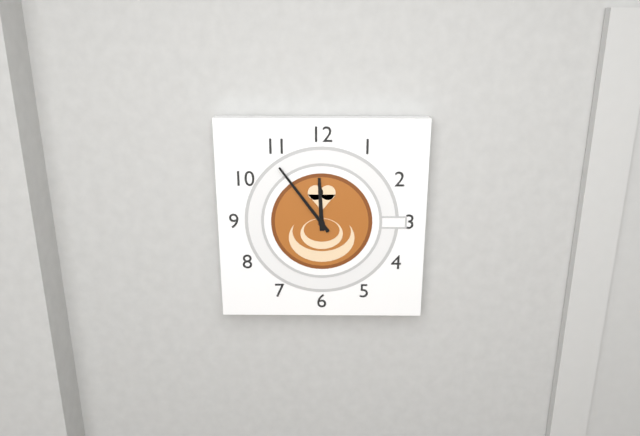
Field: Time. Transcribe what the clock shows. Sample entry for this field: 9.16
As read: 11.54
